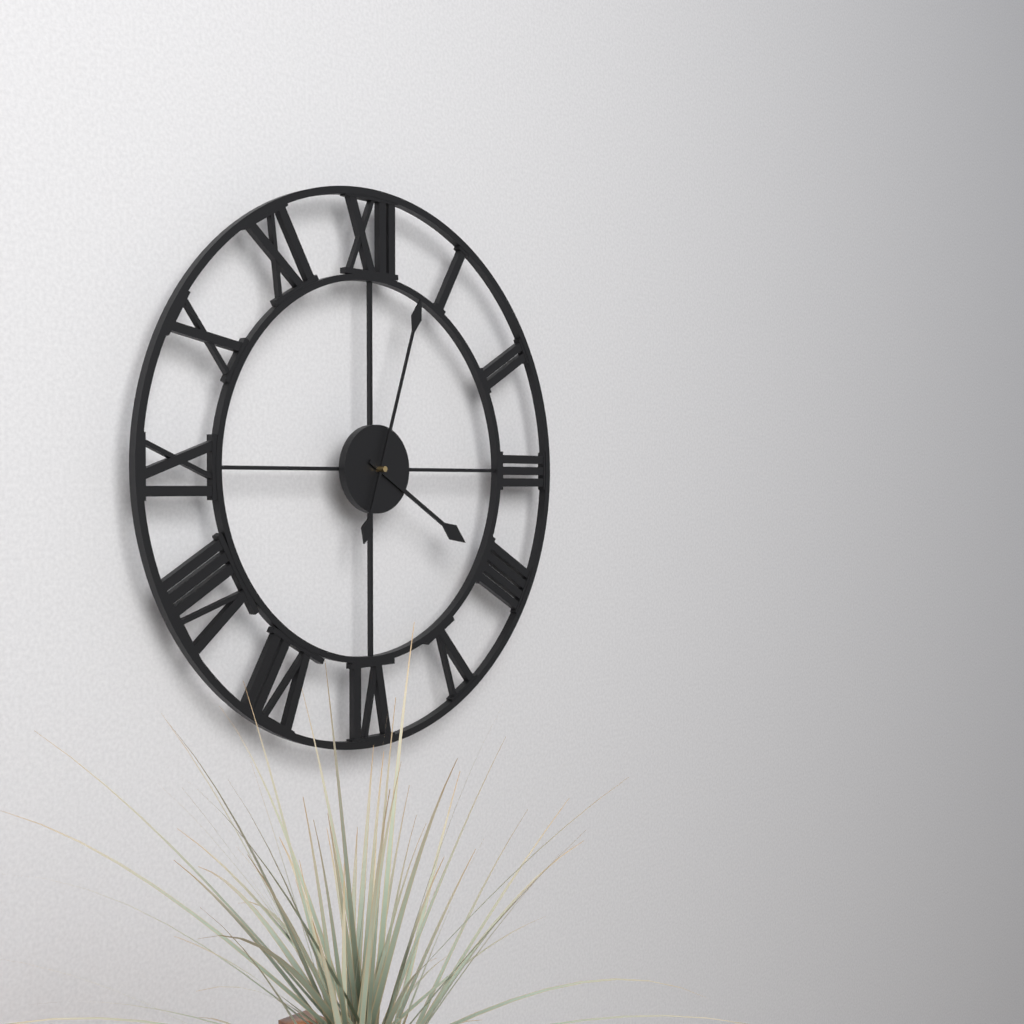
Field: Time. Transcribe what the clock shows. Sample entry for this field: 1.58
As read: 4.03
